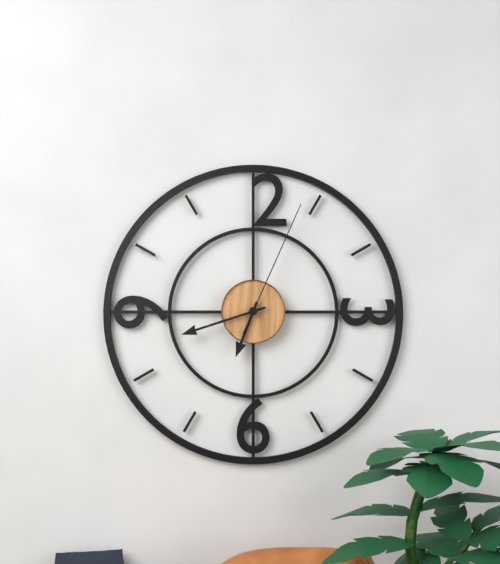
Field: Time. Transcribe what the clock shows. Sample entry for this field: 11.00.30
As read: 6.42.04
